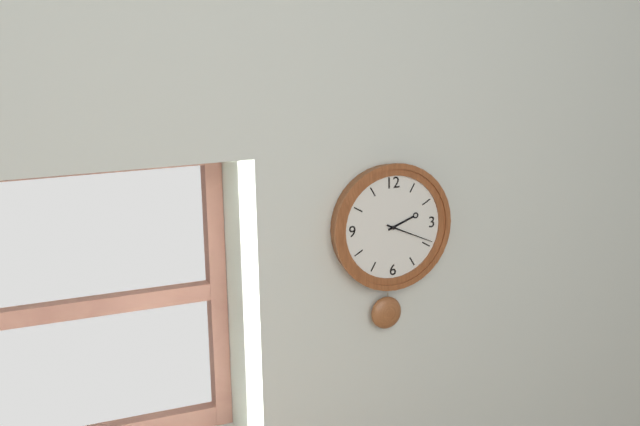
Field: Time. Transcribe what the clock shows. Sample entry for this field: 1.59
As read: 2.19
